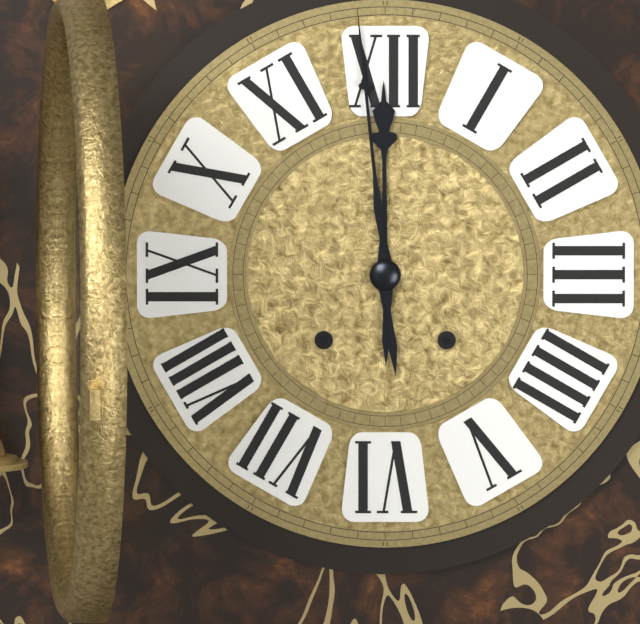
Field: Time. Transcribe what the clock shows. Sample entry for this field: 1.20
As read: 11.59
